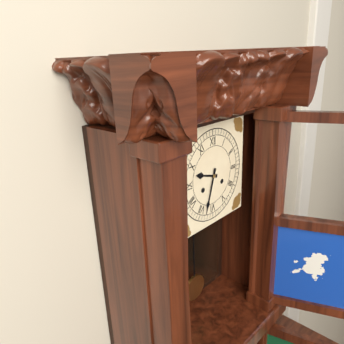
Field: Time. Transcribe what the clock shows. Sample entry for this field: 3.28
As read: 9.33
